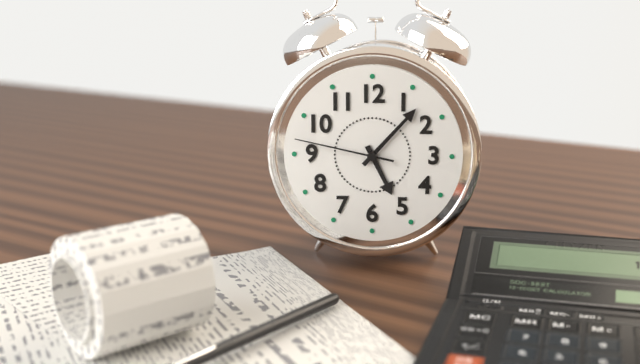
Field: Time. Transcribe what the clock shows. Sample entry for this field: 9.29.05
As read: 5.07.47
